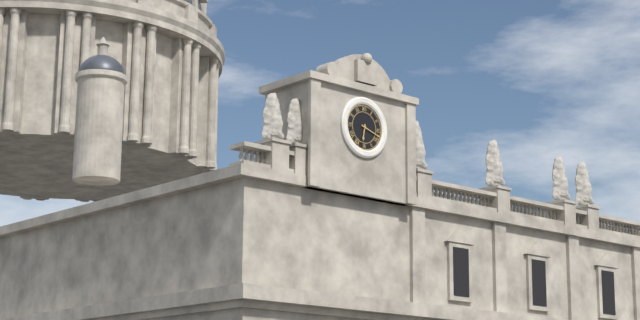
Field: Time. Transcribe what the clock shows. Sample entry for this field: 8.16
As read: 6.18
